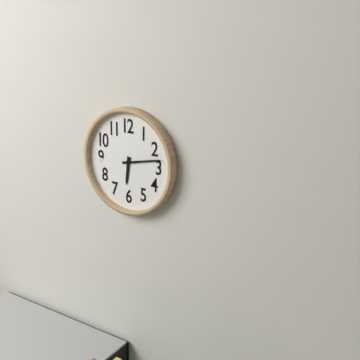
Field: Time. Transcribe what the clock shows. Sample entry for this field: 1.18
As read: 6.13
